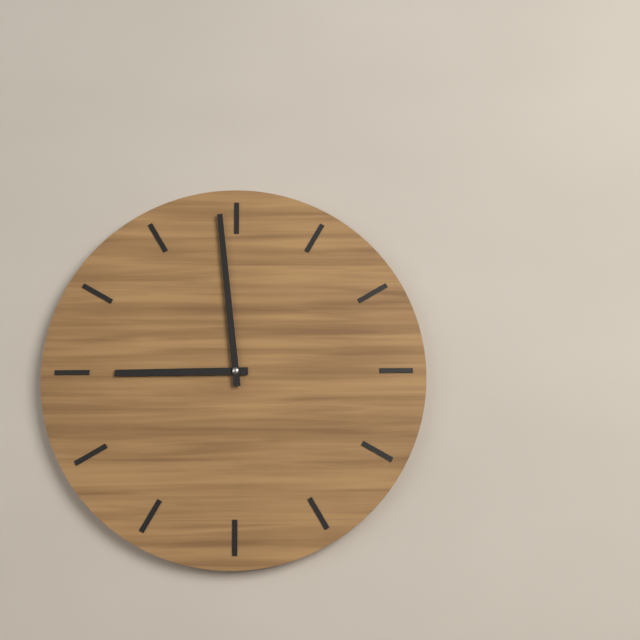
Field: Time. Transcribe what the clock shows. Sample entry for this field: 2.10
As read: 8.59
